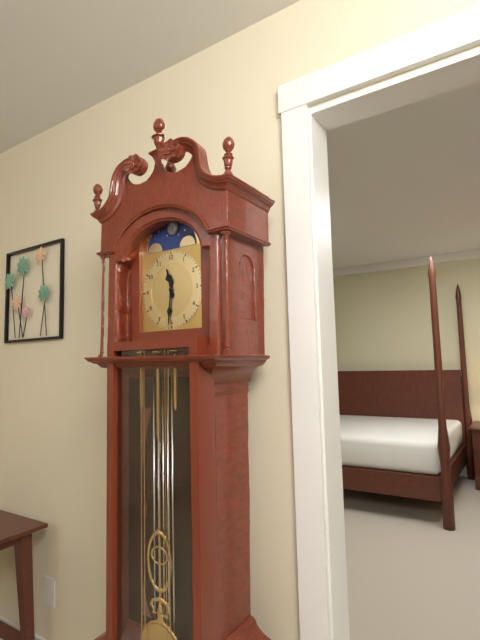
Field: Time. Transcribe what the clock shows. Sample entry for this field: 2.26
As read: 11.31
